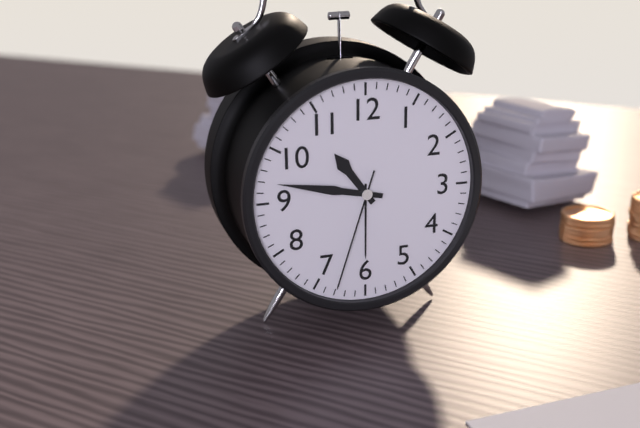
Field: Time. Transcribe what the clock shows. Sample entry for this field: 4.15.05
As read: 10.47.33
